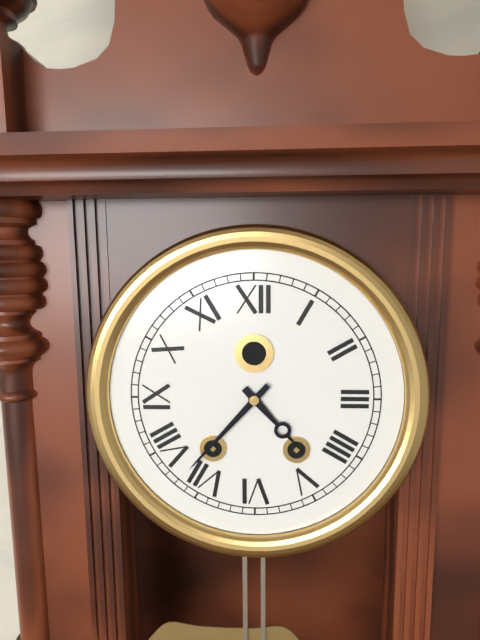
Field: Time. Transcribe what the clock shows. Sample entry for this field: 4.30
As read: 4.37
